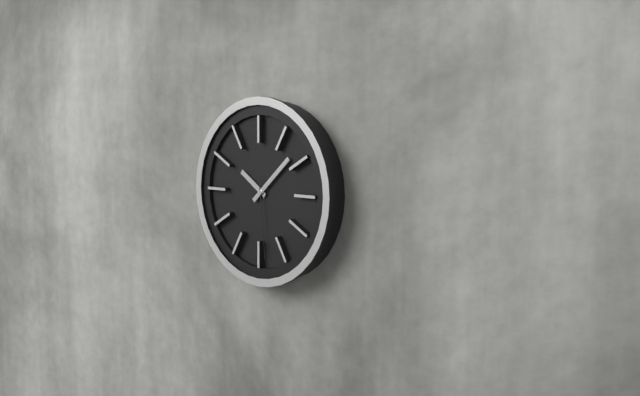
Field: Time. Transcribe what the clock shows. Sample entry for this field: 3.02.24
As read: 10.08.29
